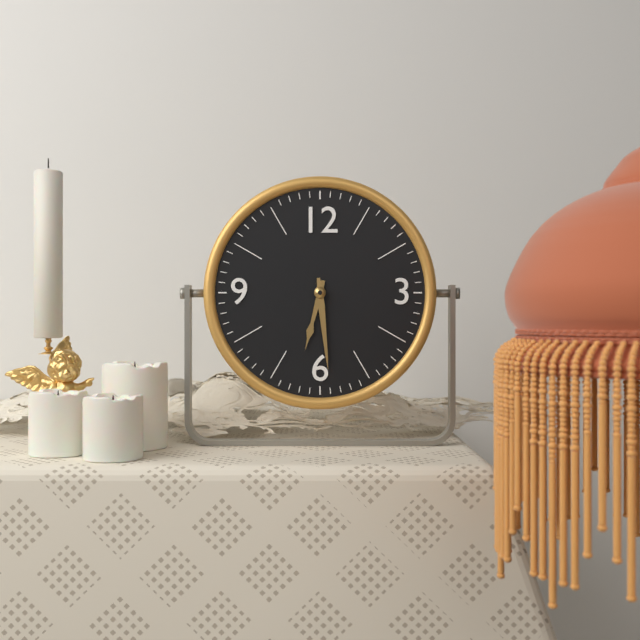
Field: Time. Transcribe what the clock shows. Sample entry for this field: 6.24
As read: 6.29
